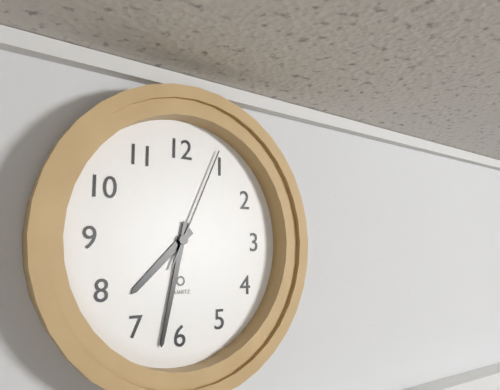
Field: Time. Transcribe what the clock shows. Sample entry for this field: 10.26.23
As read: 7.32.04
